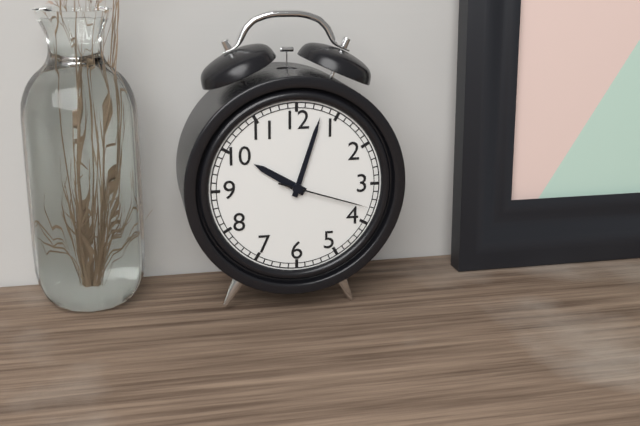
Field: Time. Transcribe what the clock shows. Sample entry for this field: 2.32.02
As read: 10.03.18
